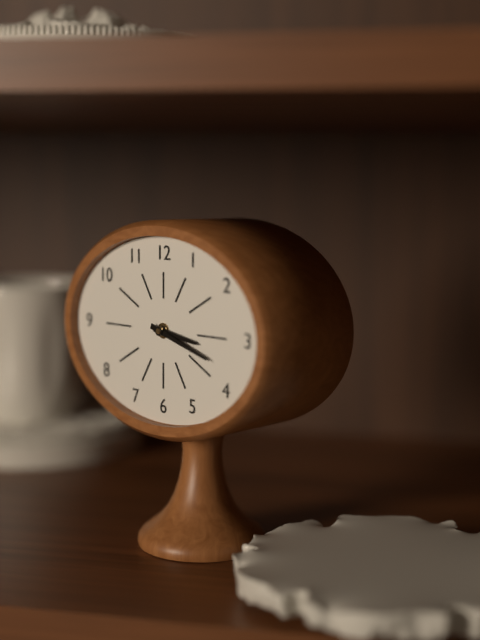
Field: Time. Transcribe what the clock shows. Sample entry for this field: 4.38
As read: 3.18
